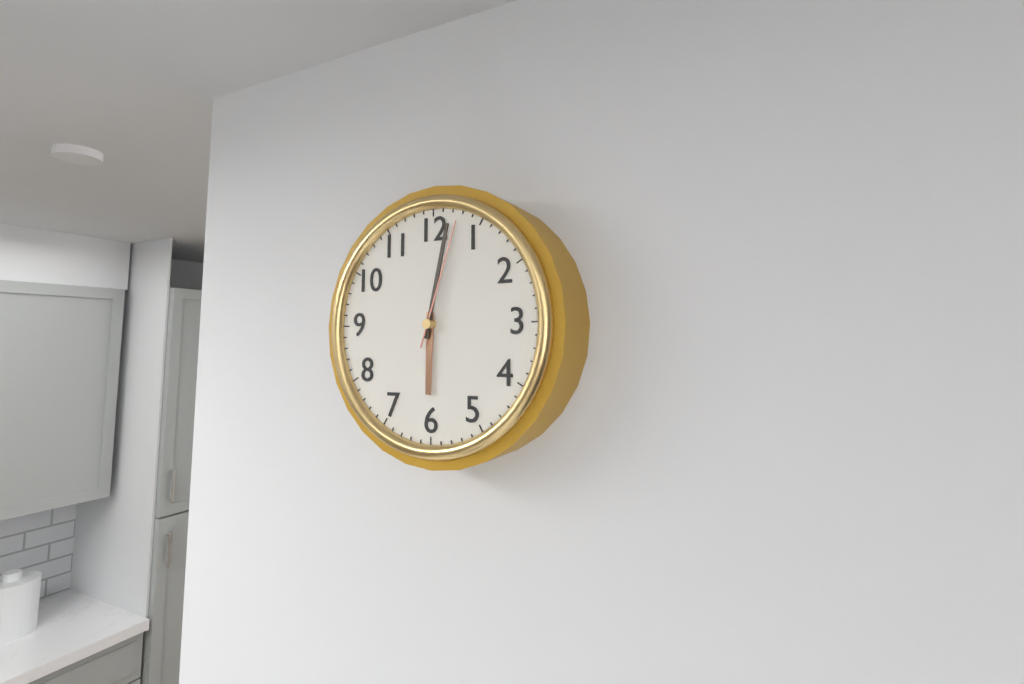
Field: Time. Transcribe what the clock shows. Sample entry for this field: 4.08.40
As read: 6.02.03
